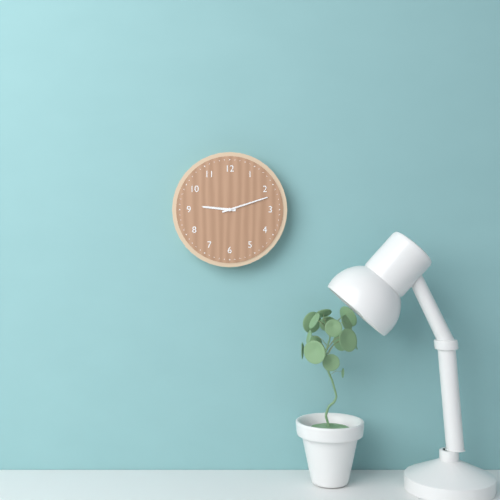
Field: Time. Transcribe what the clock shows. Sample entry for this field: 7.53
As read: 9.12
